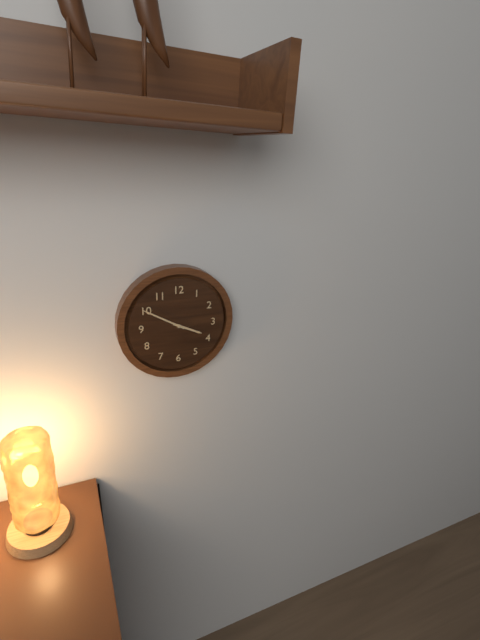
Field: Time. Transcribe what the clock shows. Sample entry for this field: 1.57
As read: 3.50
